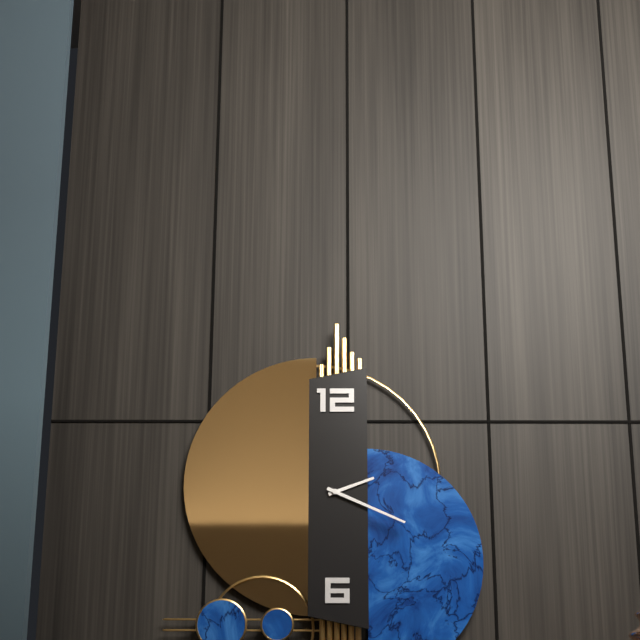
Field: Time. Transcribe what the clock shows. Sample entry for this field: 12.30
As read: 2.19
